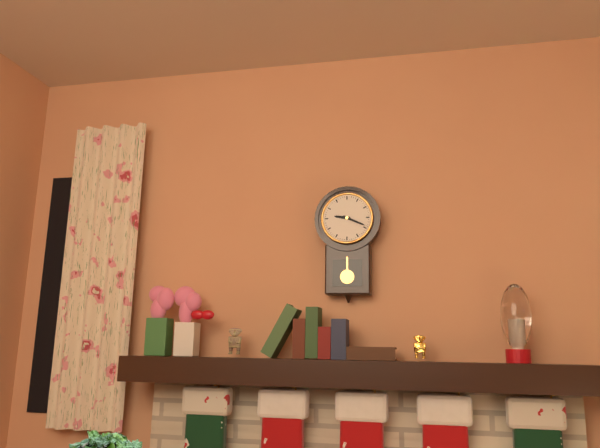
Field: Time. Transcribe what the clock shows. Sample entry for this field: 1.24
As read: 9.19
